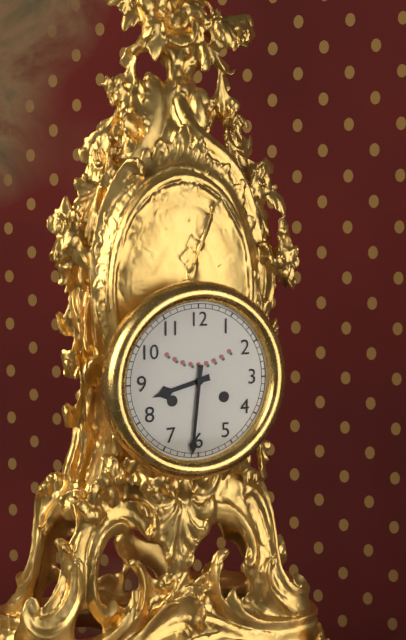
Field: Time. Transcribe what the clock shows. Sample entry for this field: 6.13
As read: 8.31
